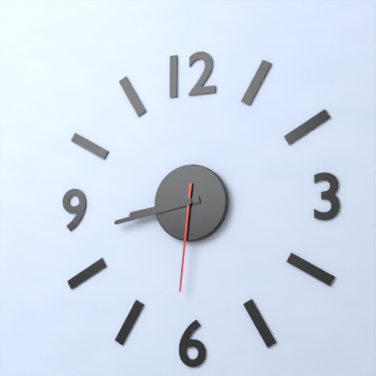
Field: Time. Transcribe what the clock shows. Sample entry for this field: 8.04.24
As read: 8.43.31
